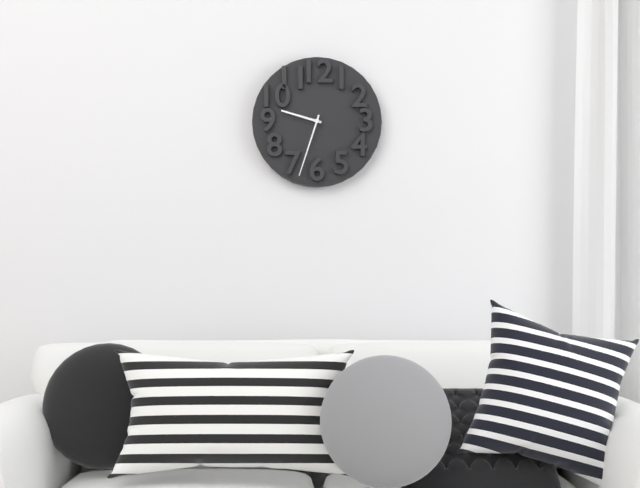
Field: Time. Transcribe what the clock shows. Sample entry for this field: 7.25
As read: 9.33
